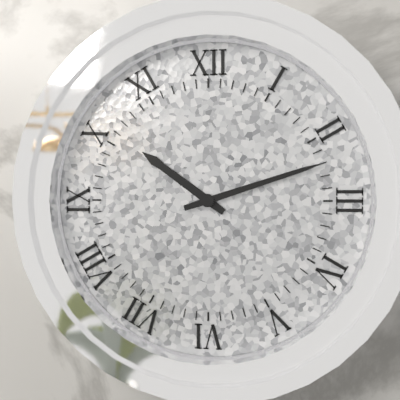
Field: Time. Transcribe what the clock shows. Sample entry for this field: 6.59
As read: 10.12
